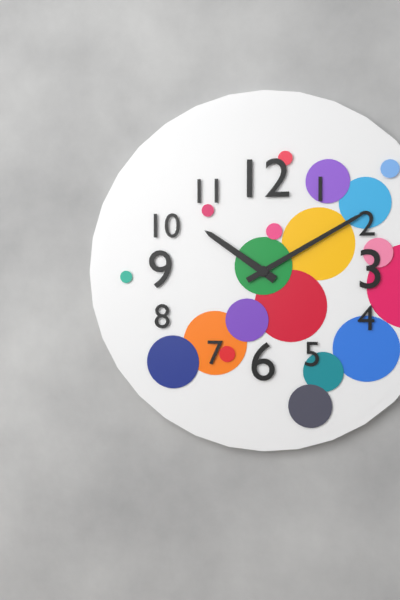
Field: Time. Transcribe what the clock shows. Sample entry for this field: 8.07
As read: 10.10
